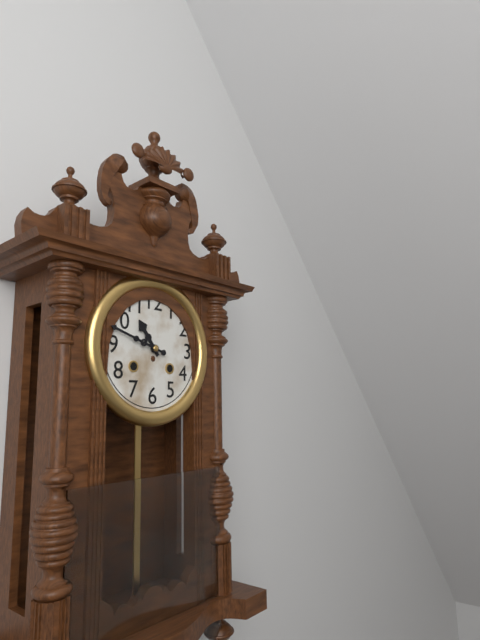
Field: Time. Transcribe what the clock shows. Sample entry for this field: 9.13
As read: 10.48
